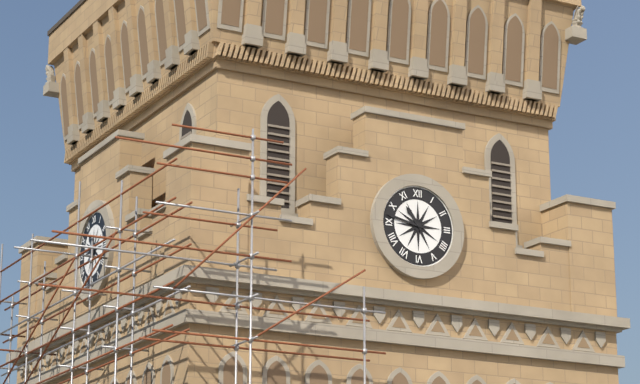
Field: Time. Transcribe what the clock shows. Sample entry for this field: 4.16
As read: 10.47
